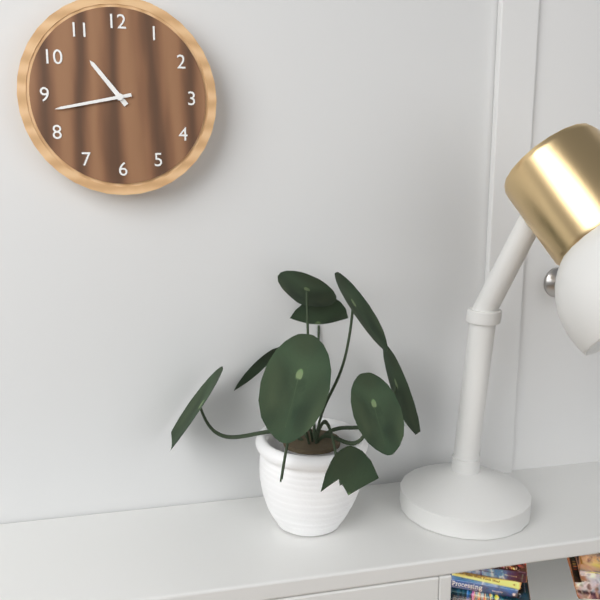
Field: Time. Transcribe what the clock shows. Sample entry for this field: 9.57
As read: 10.43
